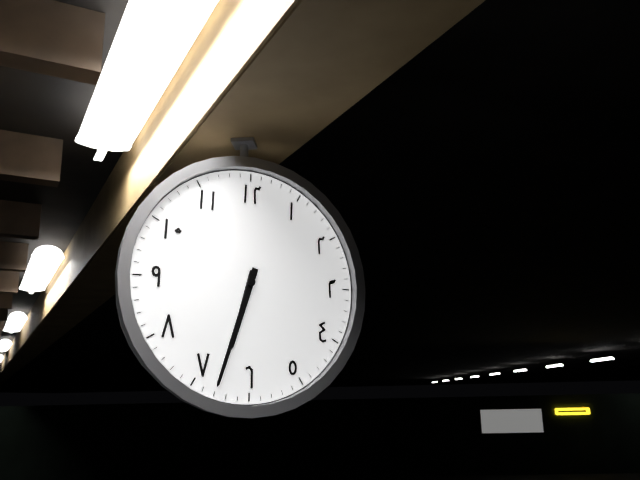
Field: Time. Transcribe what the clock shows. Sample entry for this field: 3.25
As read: 6.33
